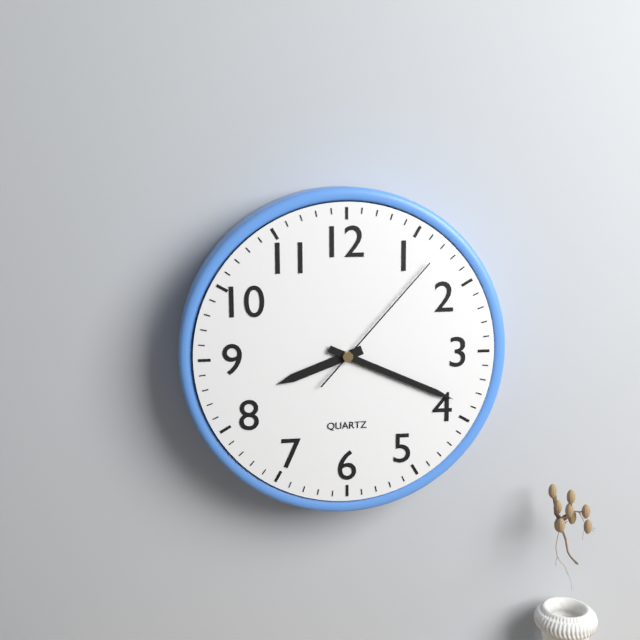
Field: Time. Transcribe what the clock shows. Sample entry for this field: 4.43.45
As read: 8.19.07
